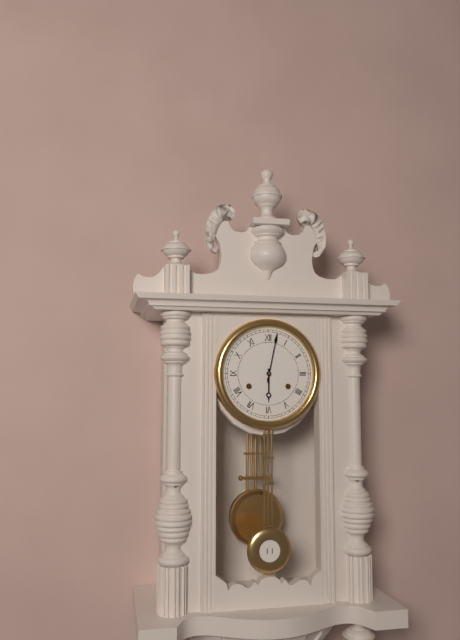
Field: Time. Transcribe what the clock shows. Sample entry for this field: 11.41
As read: 6.02
